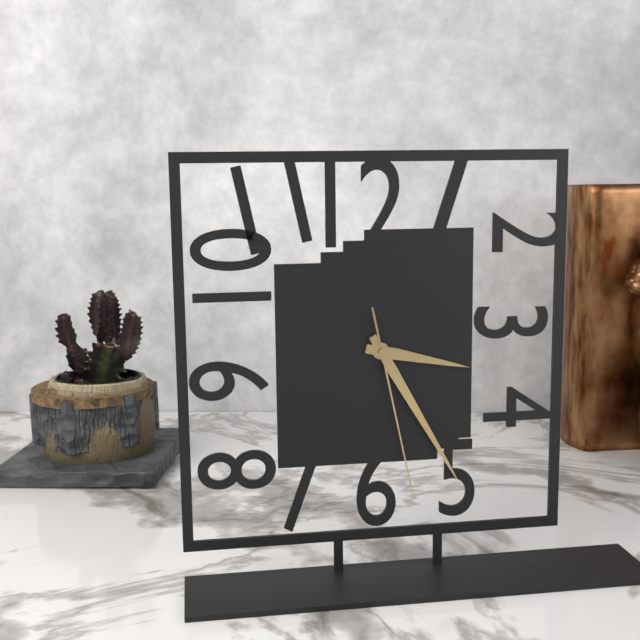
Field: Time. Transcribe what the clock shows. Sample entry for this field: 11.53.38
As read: 3.25.28
